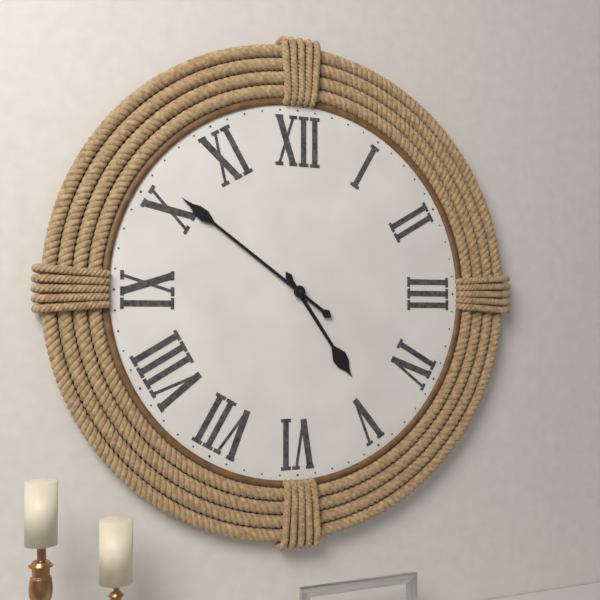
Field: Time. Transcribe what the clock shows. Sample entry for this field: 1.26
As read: 4.51
